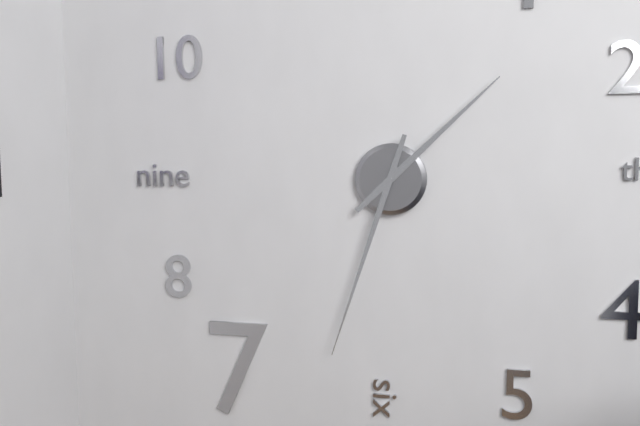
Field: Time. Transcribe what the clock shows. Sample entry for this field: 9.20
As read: 1.33
